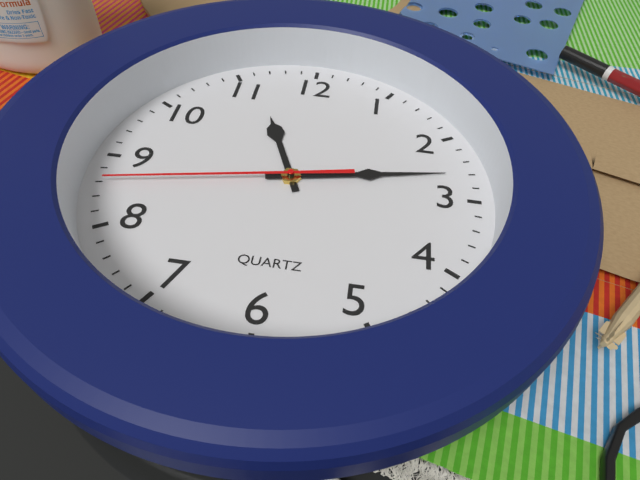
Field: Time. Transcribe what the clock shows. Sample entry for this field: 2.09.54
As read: 11.13.43
